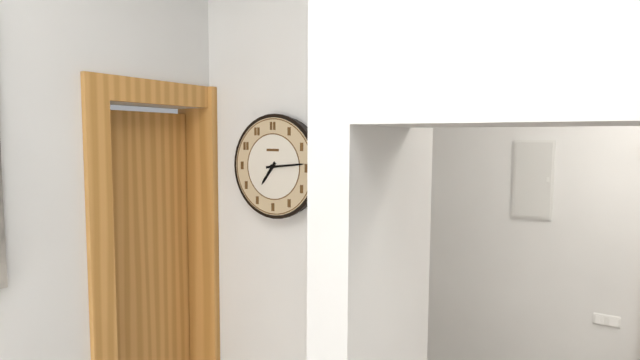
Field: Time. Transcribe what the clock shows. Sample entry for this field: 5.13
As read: 7.14
